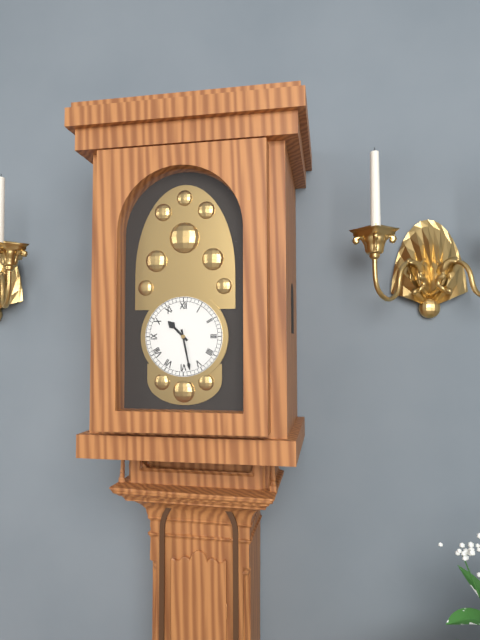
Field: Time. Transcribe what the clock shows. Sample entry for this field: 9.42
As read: 10.28
